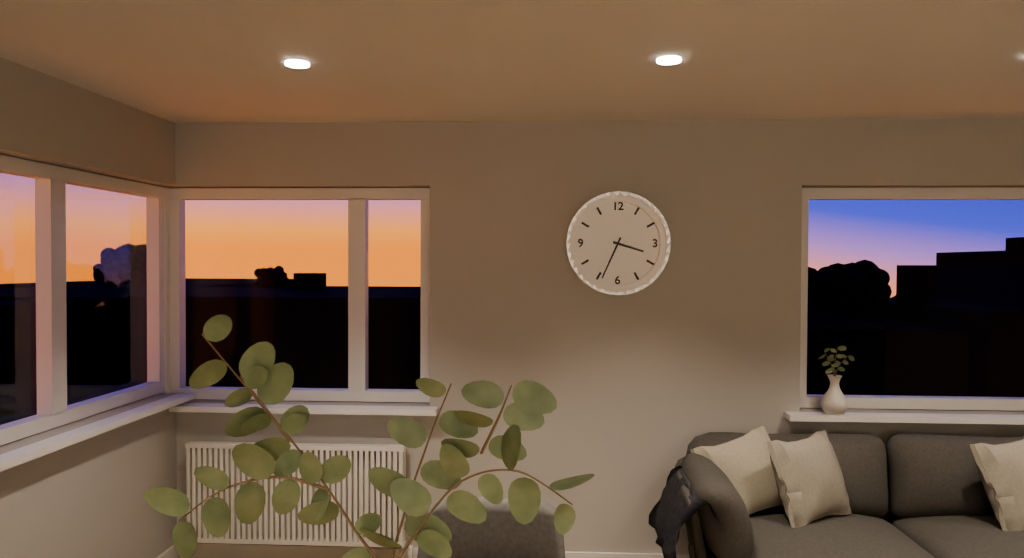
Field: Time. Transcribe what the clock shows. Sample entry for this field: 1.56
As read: 3.34
